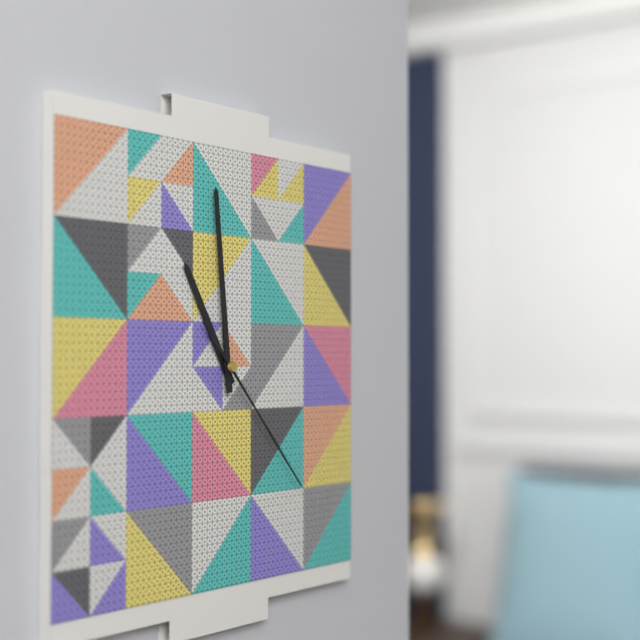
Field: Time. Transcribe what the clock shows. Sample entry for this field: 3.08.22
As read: 10.59.23
